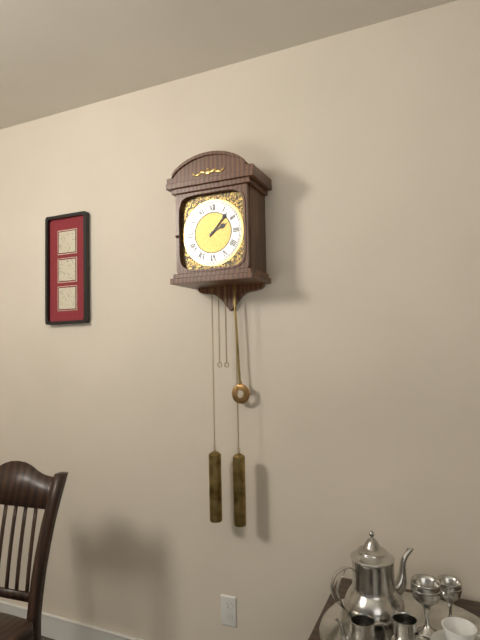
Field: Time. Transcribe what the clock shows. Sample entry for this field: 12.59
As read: 2.07
